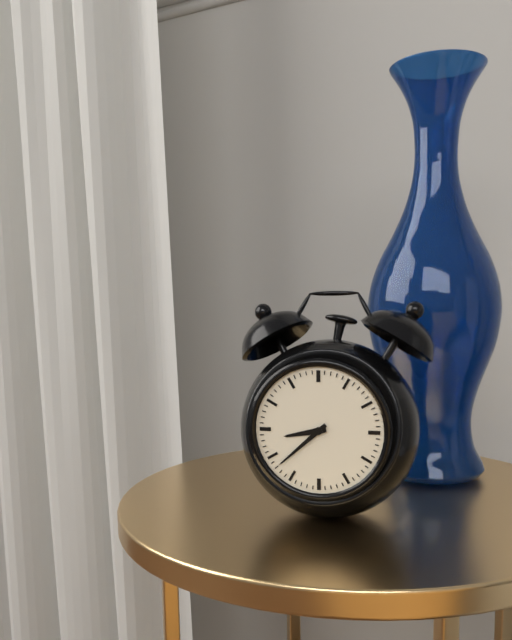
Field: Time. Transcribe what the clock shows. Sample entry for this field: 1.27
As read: 8.38
